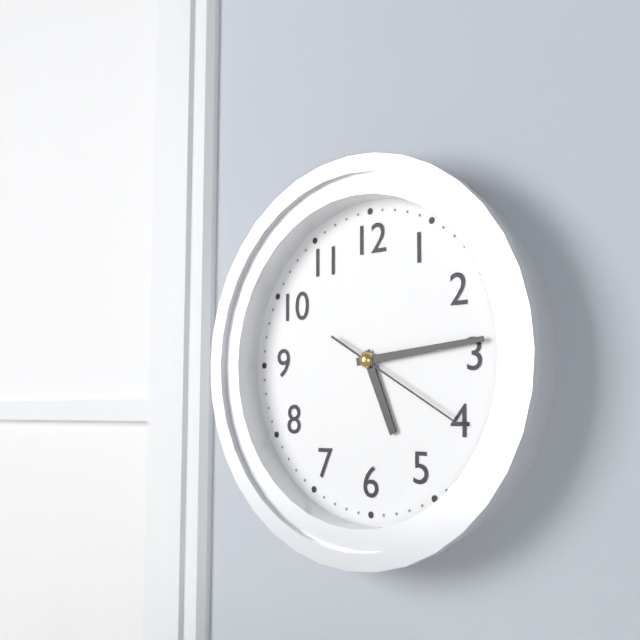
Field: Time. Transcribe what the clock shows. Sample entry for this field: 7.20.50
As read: 5.14.20
